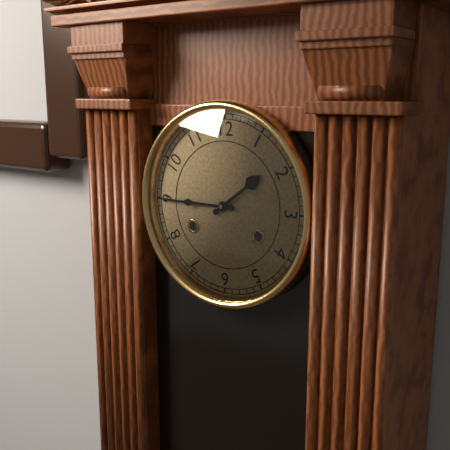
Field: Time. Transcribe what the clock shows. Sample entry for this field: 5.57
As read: 1.45
